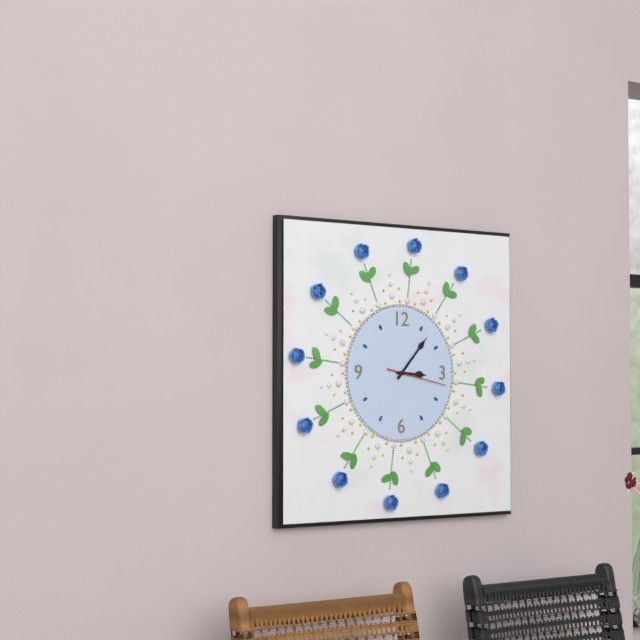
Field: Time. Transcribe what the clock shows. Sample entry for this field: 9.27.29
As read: 3.07.17
